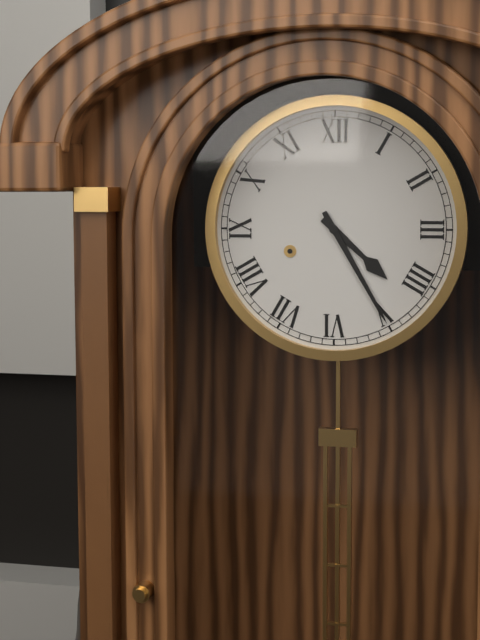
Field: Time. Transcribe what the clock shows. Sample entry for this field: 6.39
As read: 4.25
